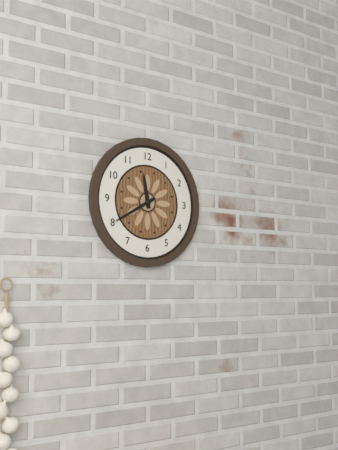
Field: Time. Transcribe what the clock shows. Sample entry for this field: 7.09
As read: 11.40
